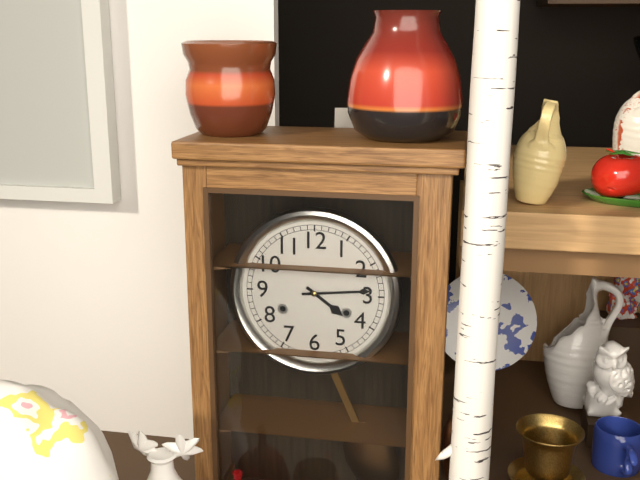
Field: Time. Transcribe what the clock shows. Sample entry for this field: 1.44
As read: 4.14
